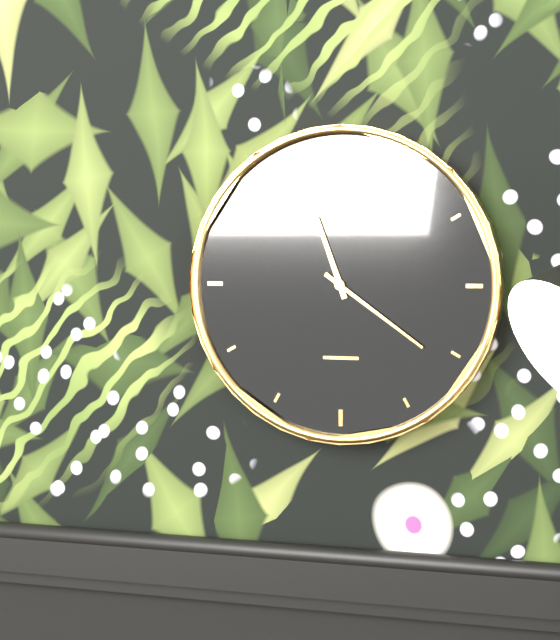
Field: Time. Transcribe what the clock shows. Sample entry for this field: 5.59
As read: 11.21
